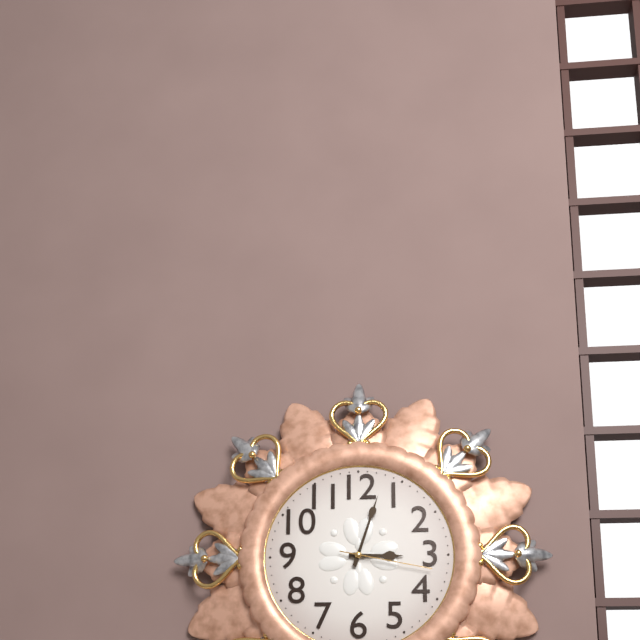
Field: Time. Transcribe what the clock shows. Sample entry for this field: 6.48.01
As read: 3.03.17
